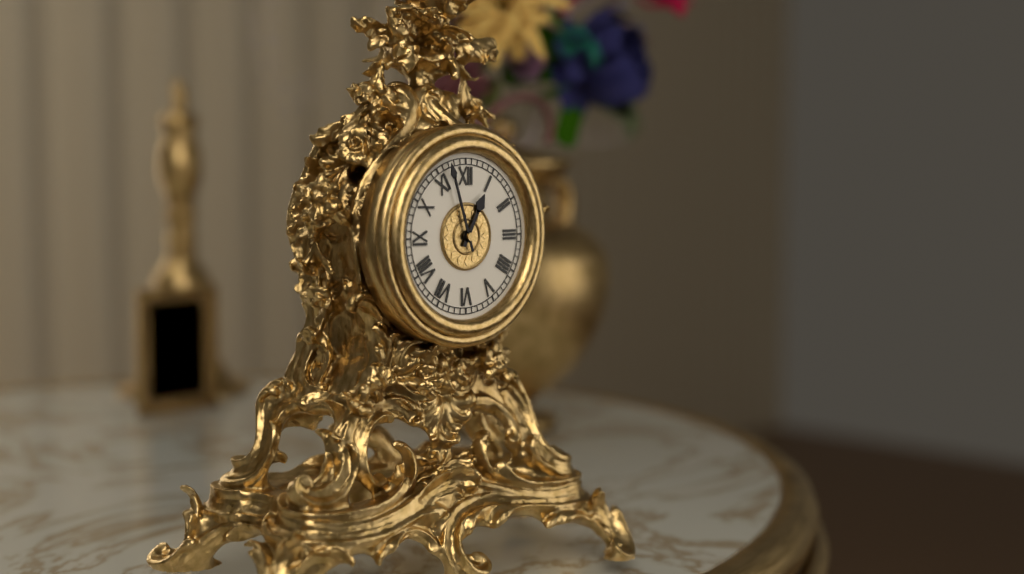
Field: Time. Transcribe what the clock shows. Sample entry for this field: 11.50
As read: 12.57
